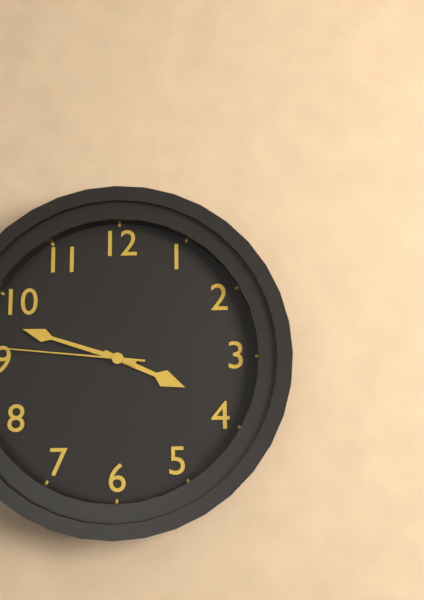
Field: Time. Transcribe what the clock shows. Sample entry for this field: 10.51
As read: 3.48
